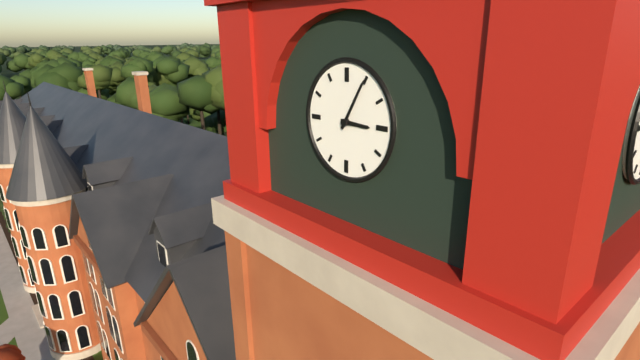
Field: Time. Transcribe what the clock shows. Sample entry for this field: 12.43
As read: 3.05
